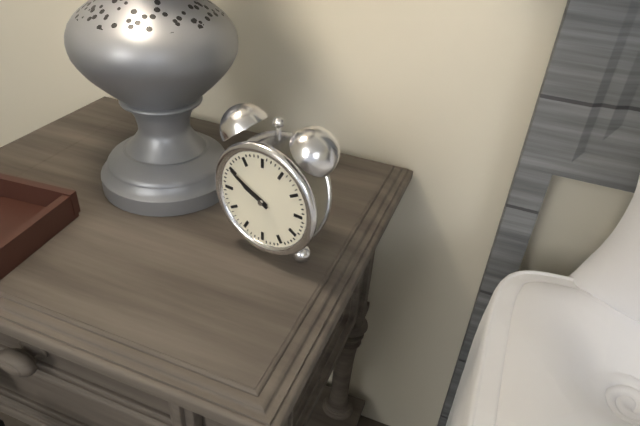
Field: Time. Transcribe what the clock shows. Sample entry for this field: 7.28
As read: 9.50
